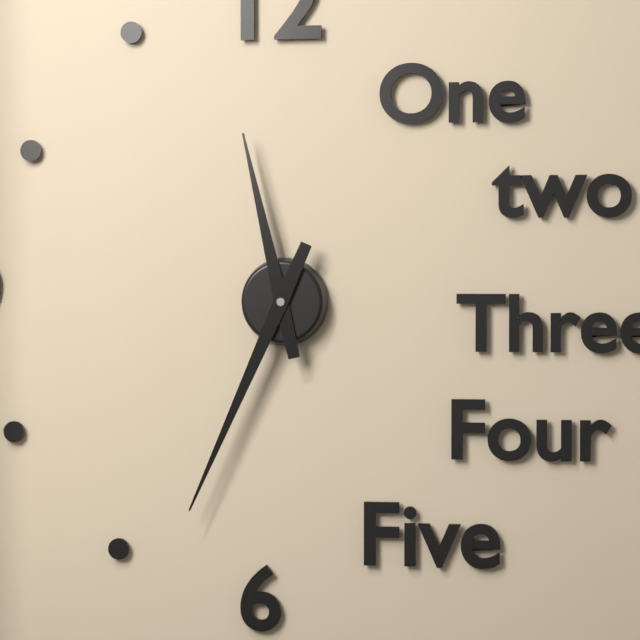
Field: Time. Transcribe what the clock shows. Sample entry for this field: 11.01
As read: 11.34
